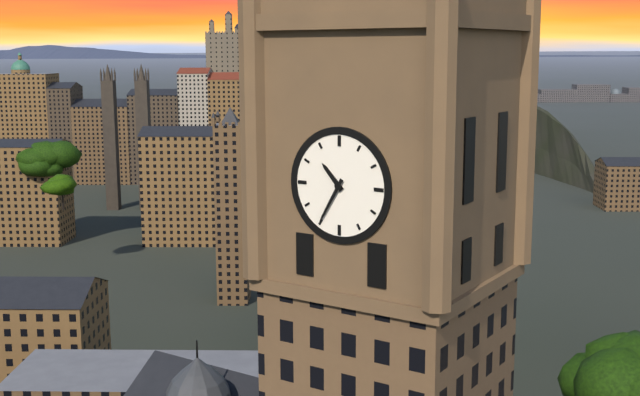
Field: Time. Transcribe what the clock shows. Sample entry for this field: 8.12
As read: 10.35
